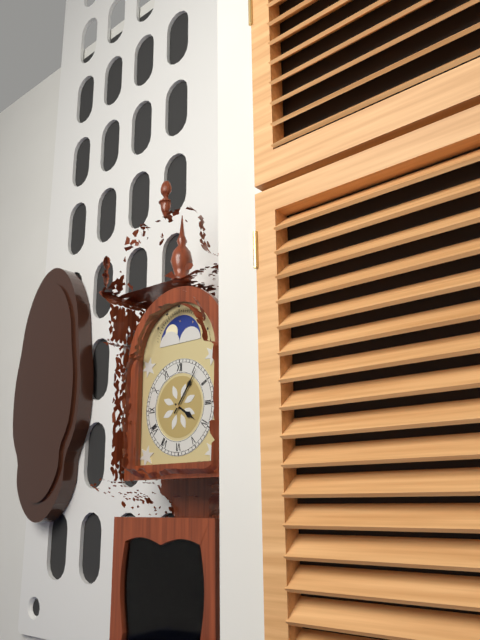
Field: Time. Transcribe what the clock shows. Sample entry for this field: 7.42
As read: 4.06
